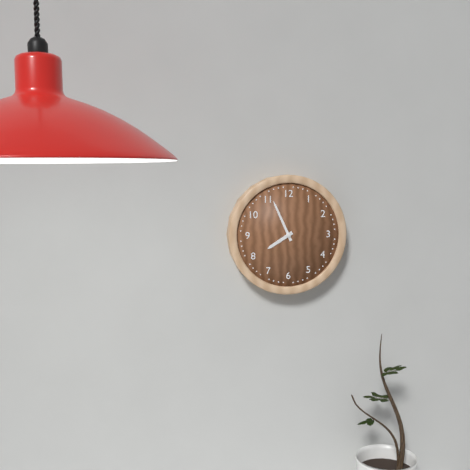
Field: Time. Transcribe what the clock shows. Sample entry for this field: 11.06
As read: 7.56
